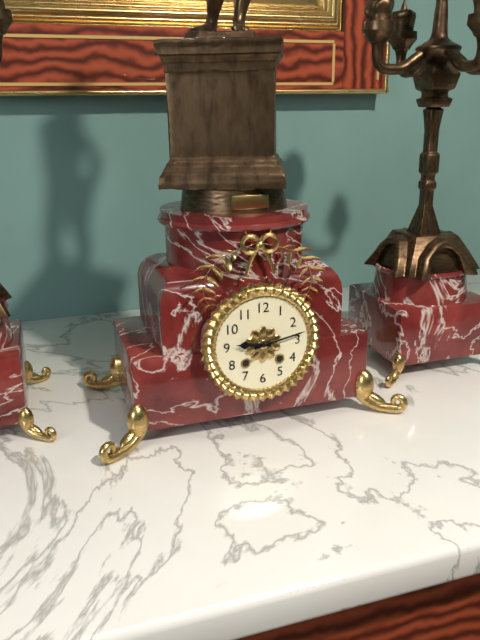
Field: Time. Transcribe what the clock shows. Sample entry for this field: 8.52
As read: 9.13
